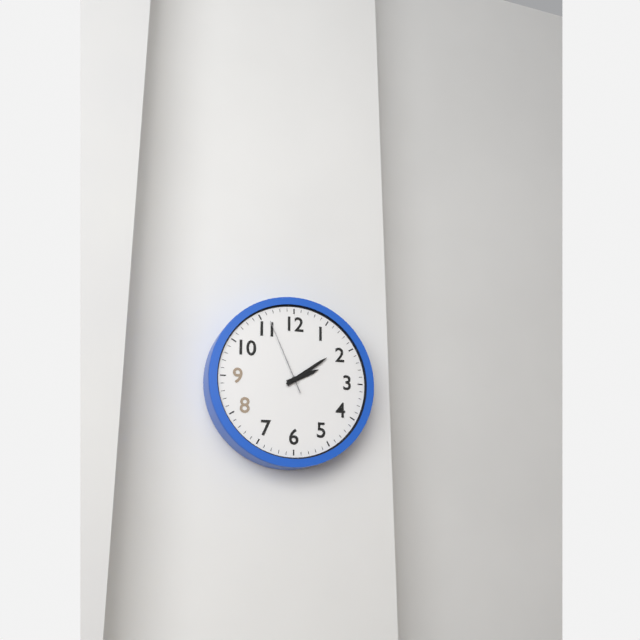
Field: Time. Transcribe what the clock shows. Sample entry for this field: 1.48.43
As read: 2.09.56
